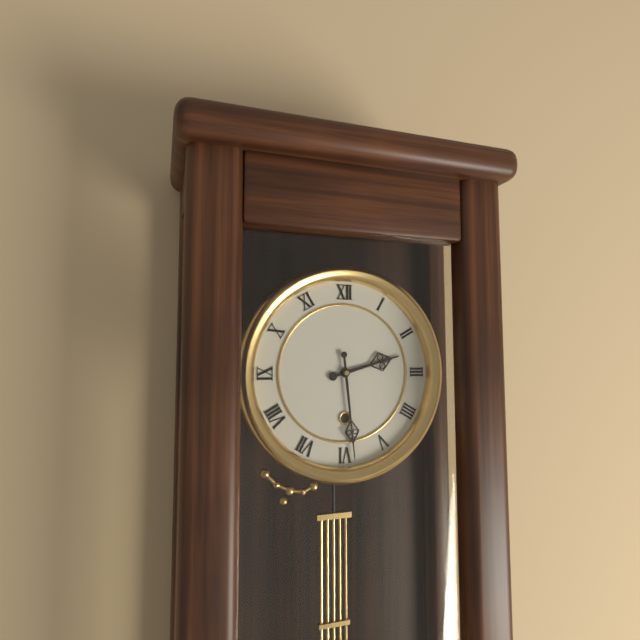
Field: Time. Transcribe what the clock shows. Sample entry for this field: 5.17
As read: 2.29
